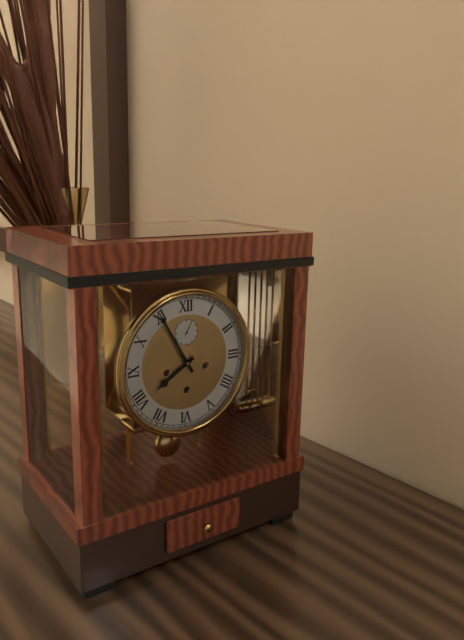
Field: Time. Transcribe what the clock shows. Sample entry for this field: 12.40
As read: 7.55
